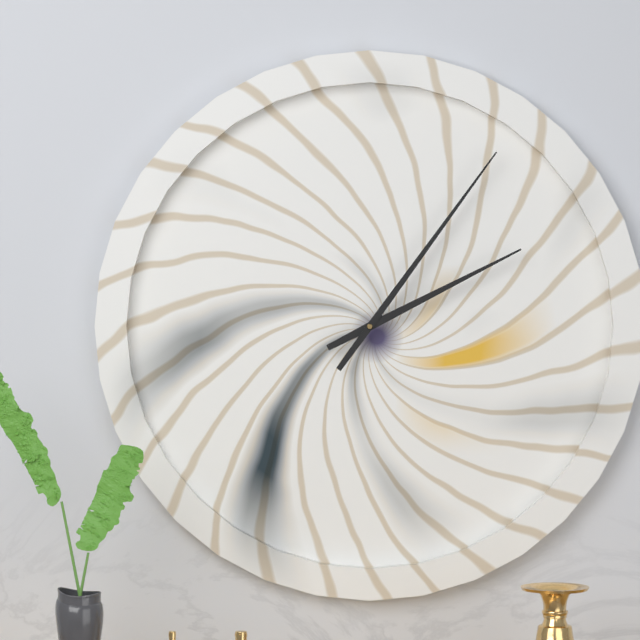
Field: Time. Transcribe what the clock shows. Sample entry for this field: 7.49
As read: 2.06
